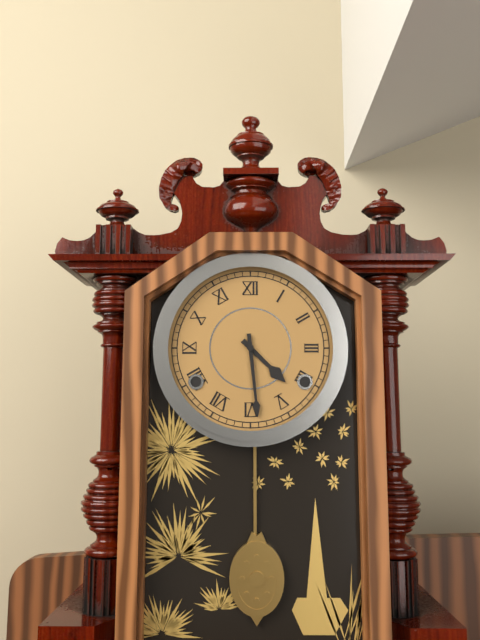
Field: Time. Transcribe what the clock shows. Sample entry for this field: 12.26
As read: 4.29
